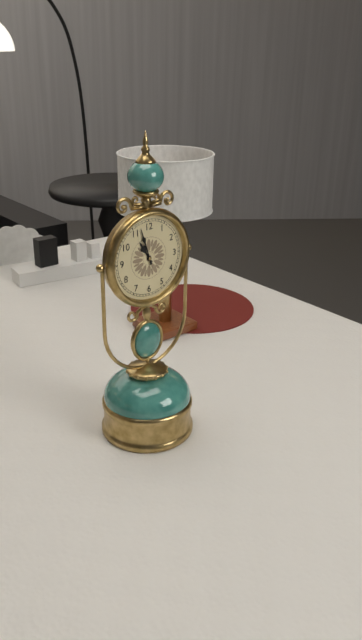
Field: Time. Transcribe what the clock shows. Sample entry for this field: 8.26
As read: 10.57
